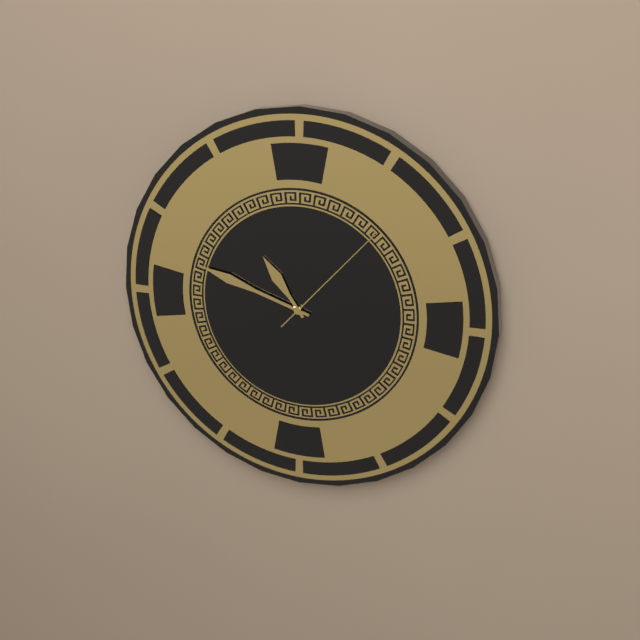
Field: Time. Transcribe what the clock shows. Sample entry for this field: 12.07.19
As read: 10.48.07
